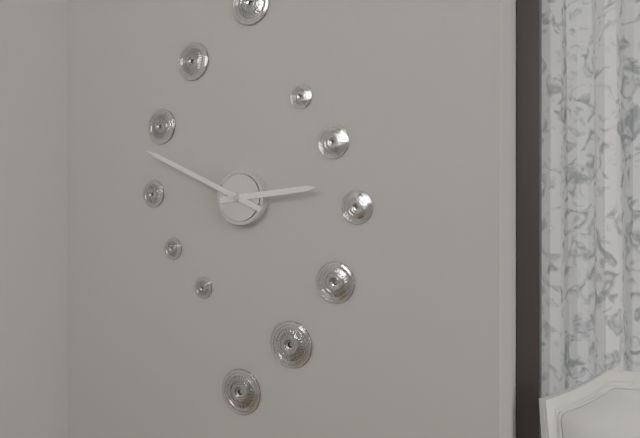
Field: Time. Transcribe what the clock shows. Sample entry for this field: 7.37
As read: 2.49
